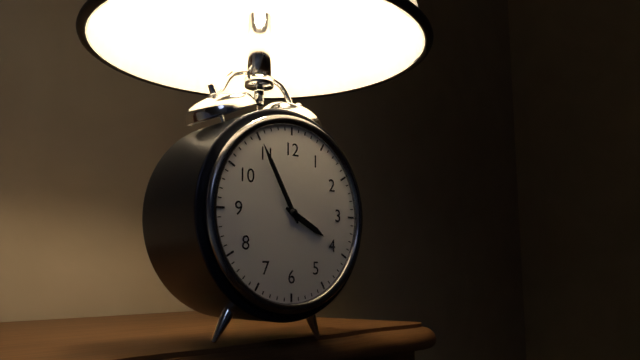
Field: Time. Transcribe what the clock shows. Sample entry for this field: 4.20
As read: 3.55
